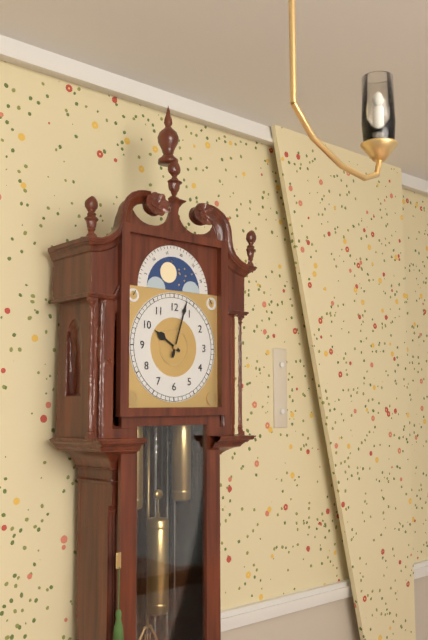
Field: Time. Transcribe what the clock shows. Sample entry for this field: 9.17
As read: 10.03
